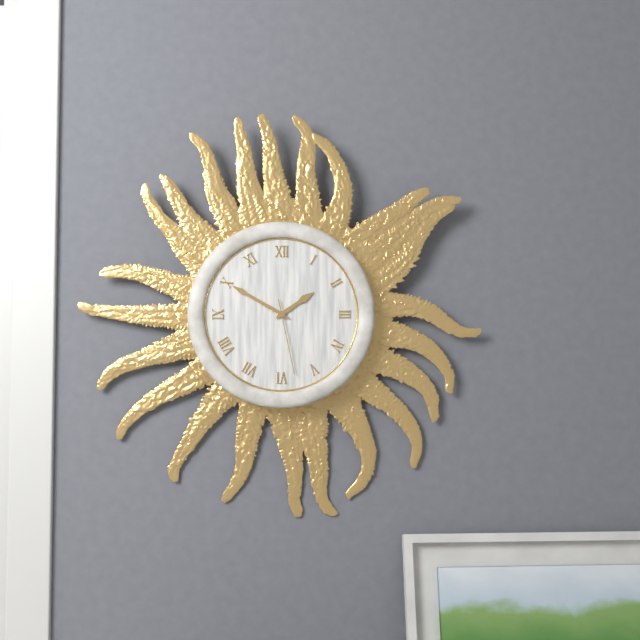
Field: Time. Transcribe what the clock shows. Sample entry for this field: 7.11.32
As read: 1.50.28
